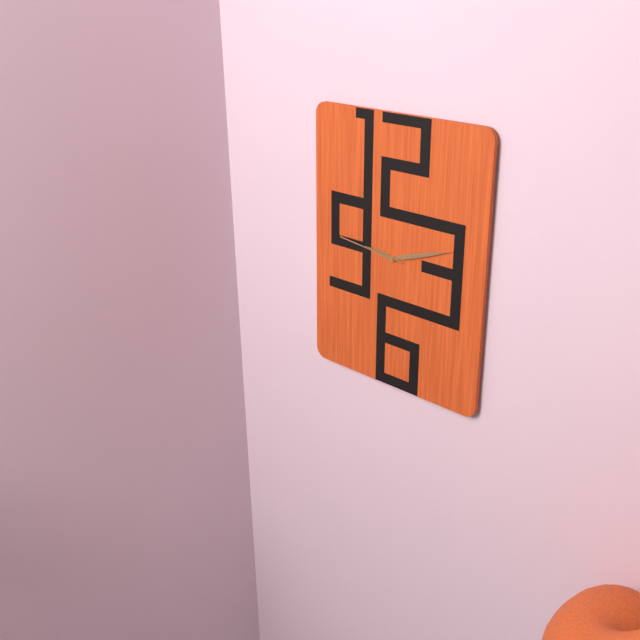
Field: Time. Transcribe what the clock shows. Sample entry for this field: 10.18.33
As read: 9.12.46
